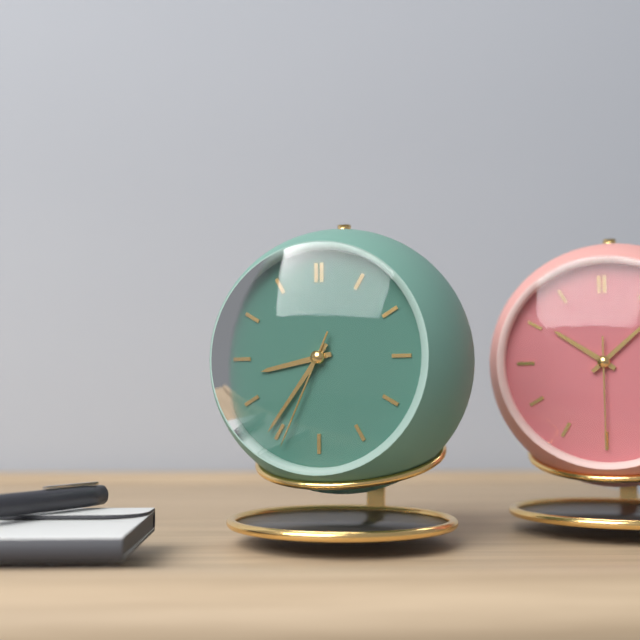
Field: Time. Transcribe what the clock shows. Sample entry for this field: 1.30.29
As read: 8.36.34
